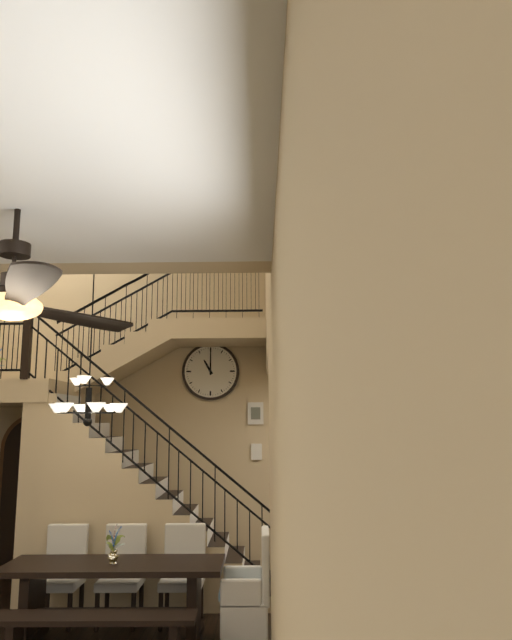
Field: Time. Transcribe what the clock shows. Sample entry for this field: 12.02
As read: 11.00
